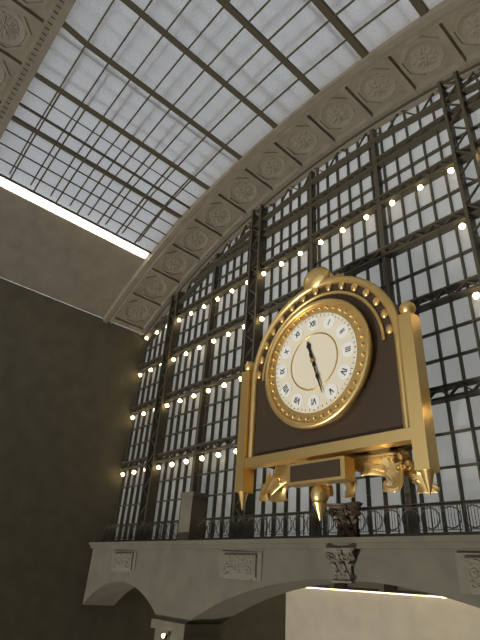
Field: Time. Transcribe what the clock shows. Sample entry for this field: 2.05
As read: 11.27
